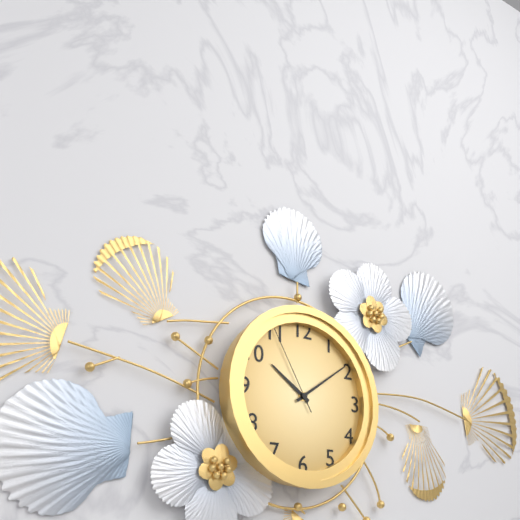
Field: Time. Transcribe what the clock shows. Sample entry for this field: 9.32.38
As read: 10.09.55
